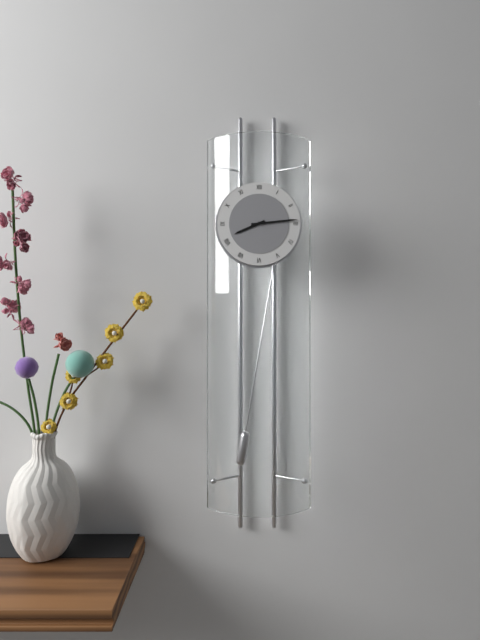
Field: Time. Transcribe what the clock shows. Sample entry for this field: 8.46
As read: 8.14
